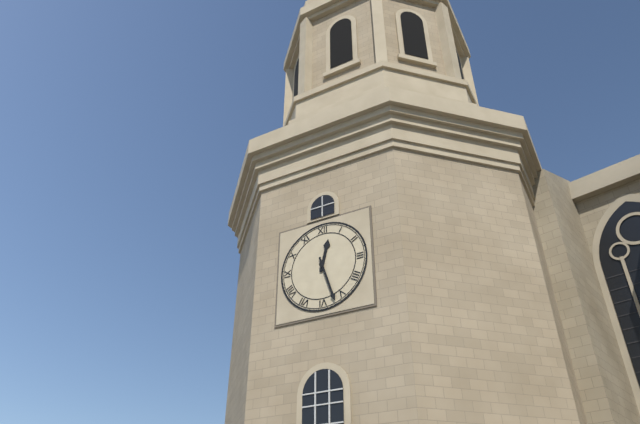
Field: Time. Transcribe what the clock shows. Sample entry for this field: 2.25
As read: 12.27
